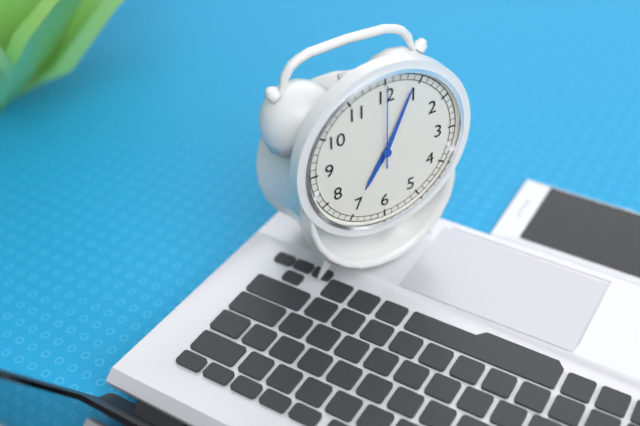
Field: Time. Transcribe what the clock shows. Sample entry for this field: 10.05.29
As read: 7.04.00
